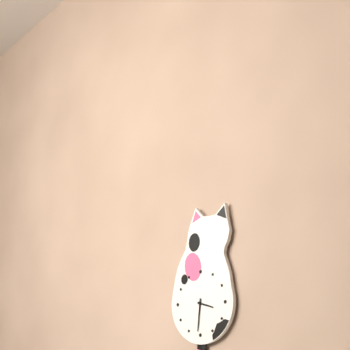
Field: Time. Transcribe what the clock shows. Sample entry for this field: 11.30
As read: 3.31
